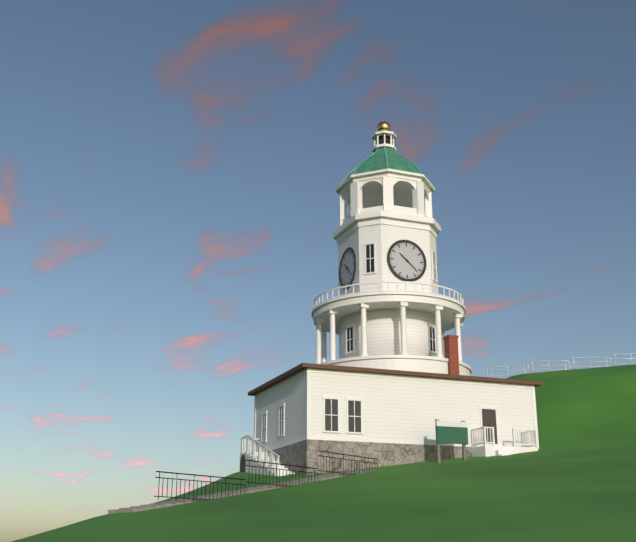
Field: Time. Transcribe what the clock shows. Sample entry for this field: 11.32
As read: 10.22
